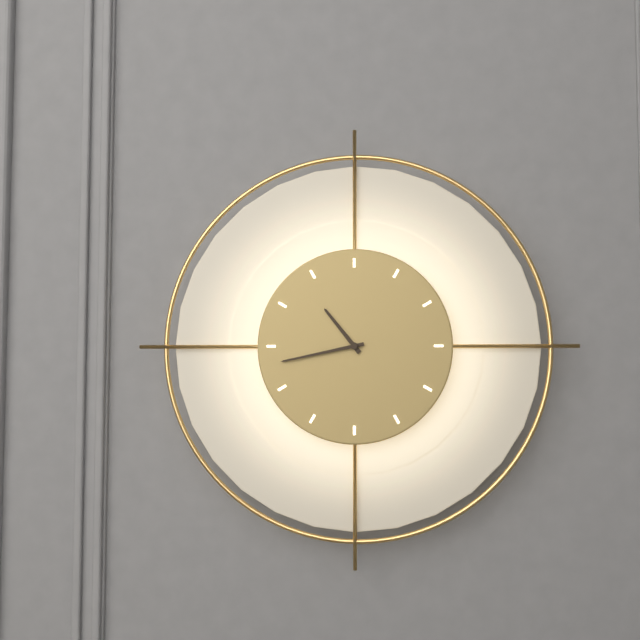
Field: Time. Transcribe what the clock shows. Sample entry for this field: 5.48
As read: 10.43
